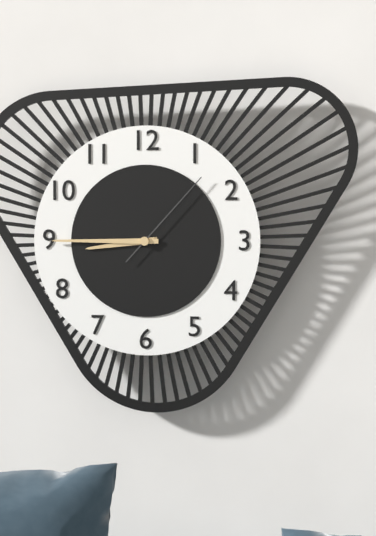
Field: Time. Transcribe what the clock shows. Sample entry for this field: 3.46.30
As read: 8.45.07
